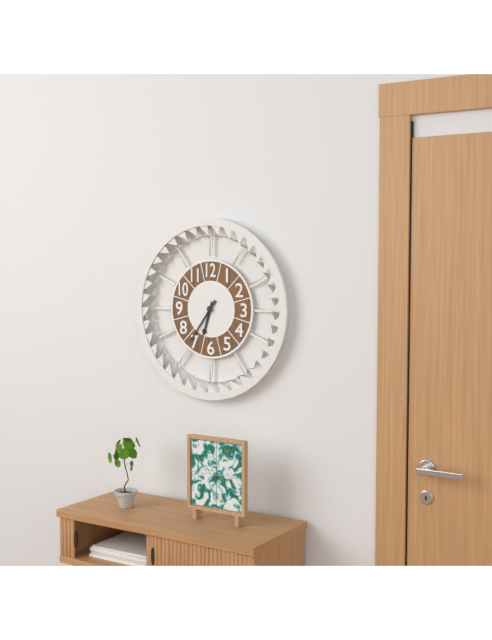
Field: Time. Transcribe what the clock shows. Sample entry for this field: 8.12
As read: 6.36
